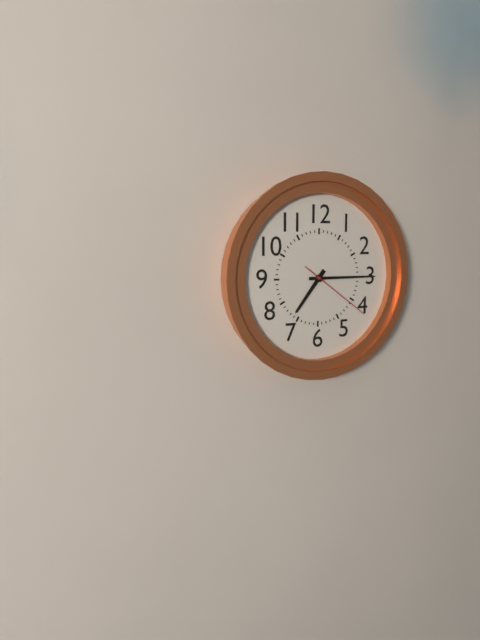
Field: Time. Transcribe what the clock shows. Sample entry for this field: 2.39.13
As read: 7.15.21
